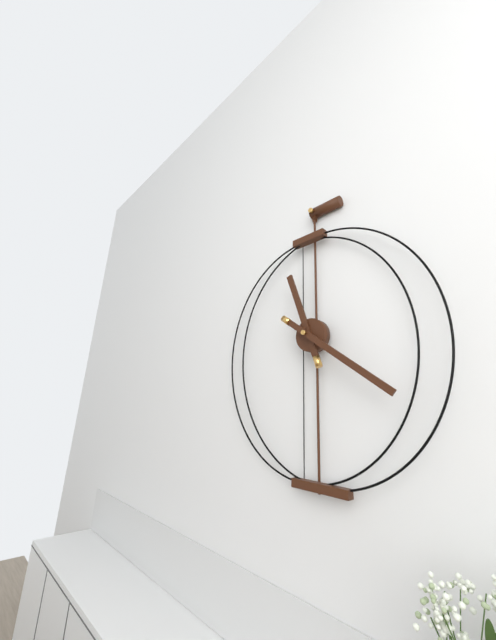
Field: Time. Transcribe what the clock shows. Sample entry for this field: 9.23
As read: 11.21
